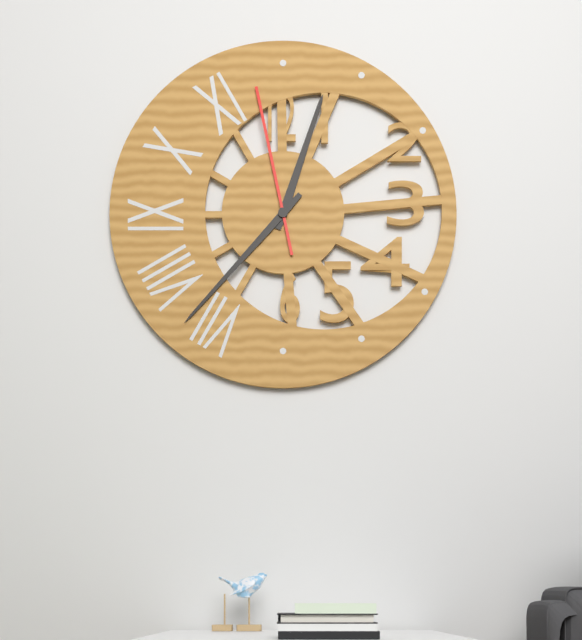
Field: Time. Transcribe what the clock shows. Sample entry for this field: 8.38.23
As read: 12.37.58
